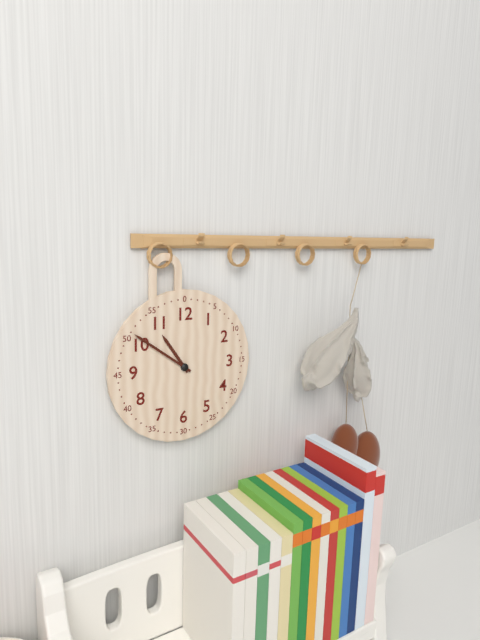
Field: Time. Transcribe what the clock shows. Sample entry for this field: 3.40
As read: 10.51
